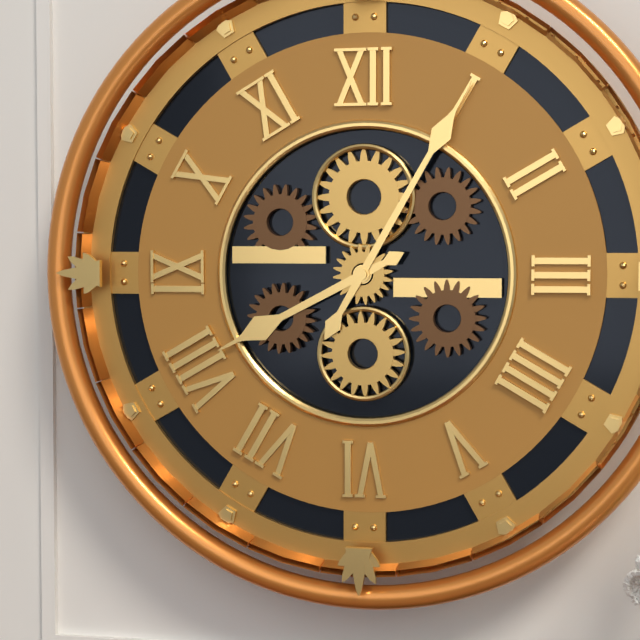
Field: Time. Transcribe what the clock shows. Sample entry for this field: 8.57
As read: 8.05
